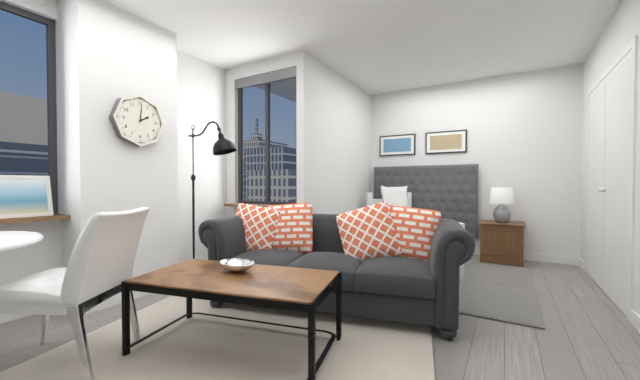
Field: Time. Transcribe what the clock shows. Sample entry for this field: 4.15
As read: 2.01
